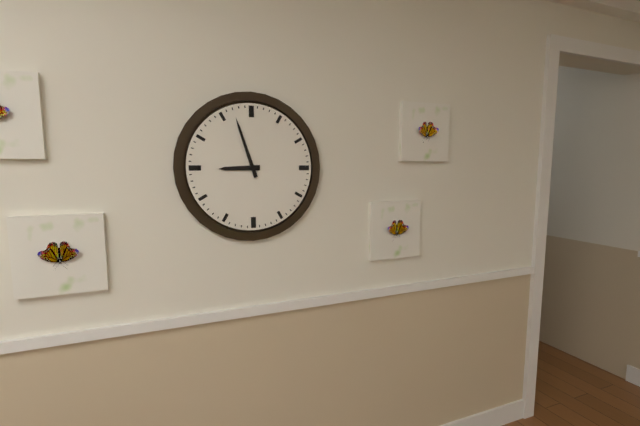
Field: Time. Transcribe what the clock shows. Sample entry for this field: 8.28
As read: 8.57
